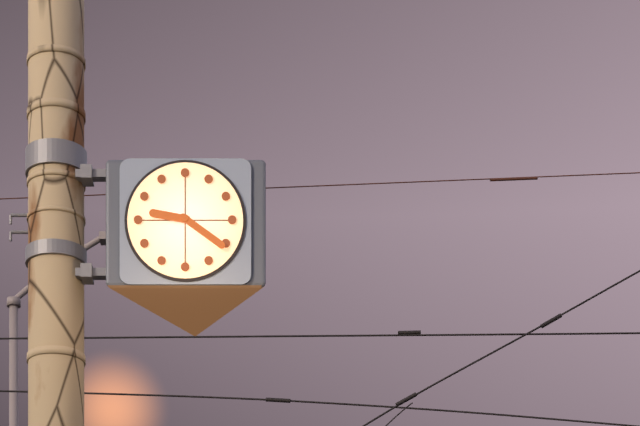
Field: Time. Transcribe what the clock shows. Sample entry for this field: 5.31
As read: 9.21
